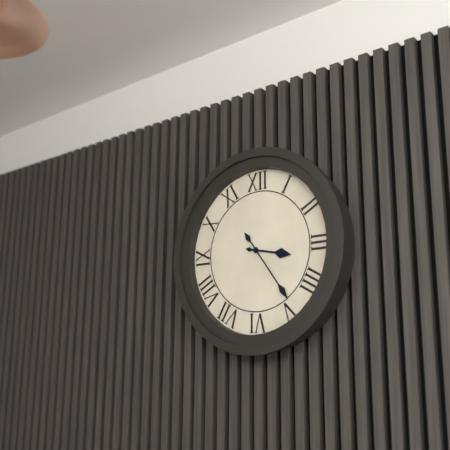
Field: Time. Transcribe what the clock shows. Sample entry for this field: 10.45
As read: 3.24
